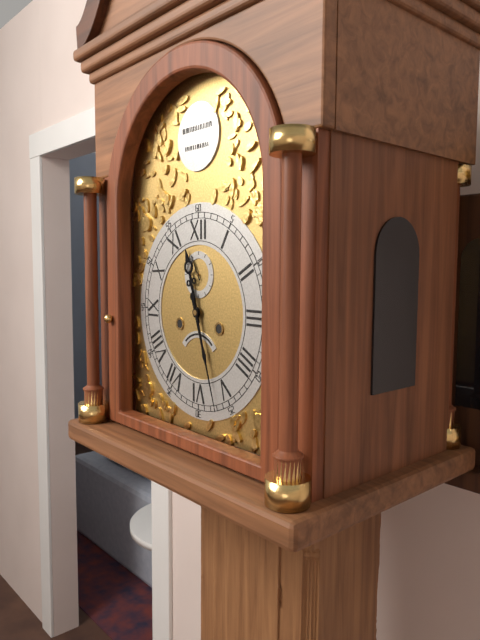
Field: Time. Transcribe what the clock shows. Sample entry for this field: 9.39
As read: 11.27
